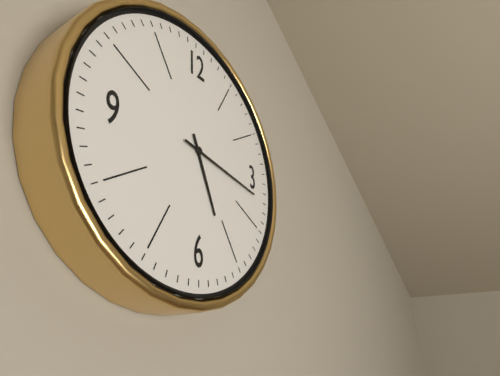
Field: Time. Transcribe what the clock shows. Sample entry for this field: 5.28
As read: 5.17
